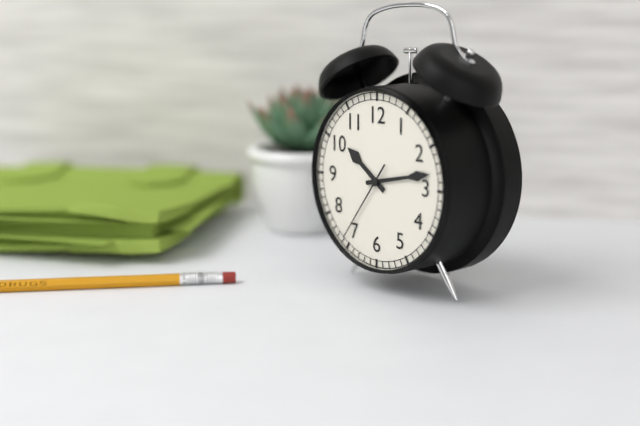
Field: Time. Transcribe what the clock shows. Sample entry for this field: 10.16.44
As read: 10.13.36
